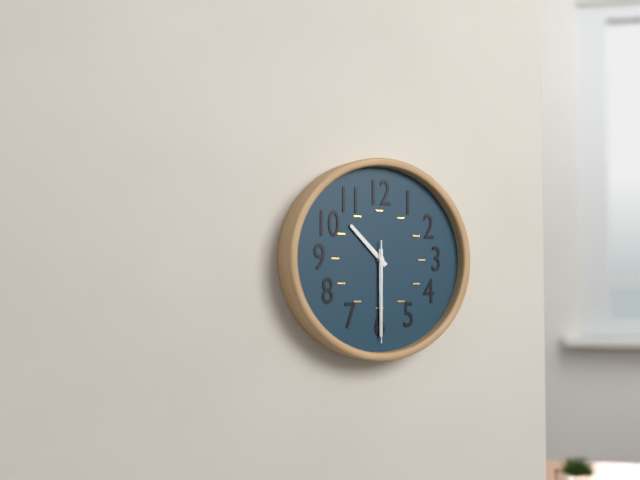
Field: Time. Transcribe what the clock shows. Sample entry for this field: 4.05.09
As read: 10.30.30
